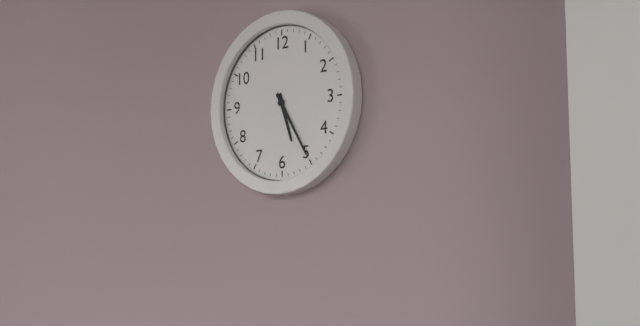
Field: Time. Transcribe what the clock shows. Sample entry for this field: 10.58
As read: 5.25
